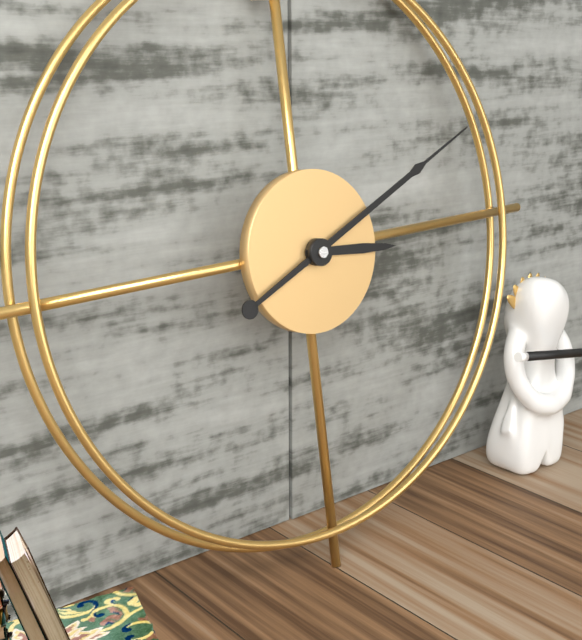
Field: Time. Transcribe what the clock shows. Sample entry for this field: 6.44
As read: 3.11
